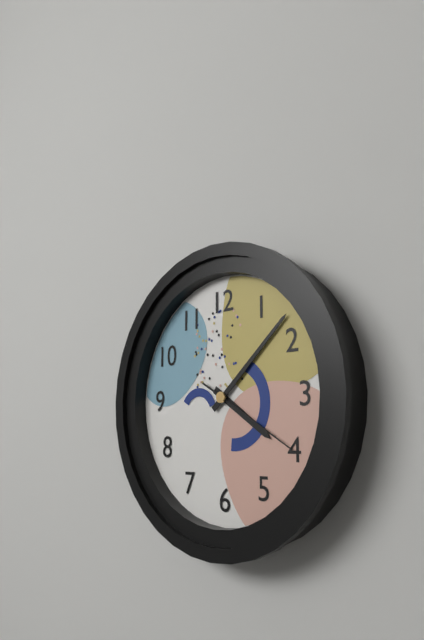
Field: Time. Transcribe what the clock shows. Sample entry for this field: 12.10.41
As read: 4.08.20
